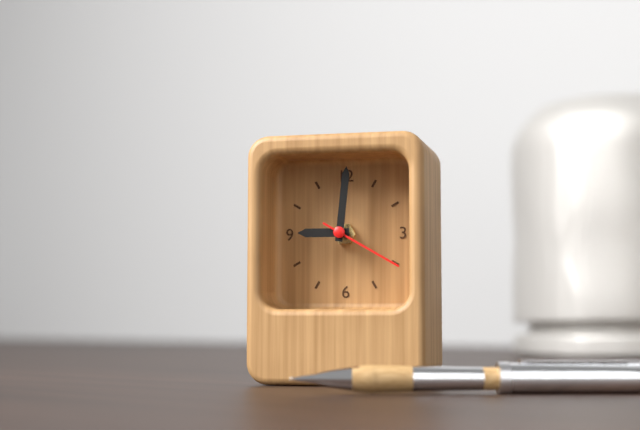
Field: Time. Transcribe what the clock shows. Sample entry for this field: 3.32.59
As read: 9.01.20
